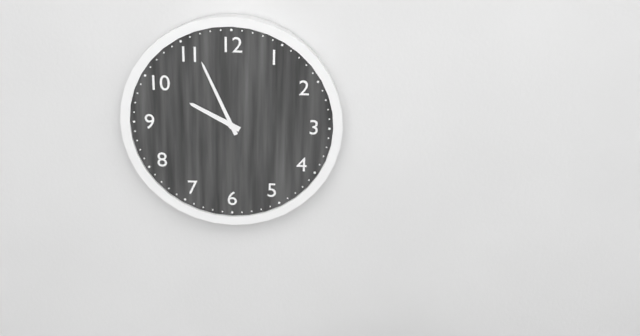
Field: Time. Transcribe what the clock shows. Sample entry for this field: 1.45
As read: 9.56
